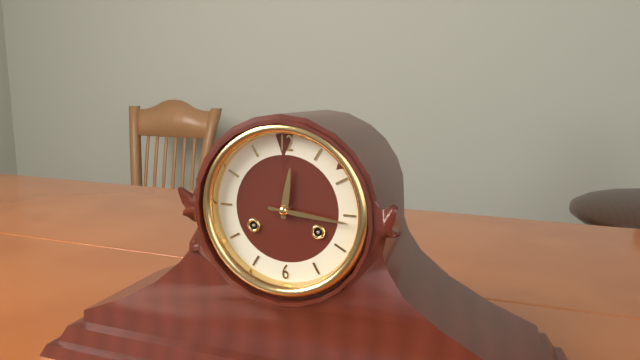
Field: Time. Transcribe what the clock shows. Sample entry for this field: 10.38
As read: 12.16
